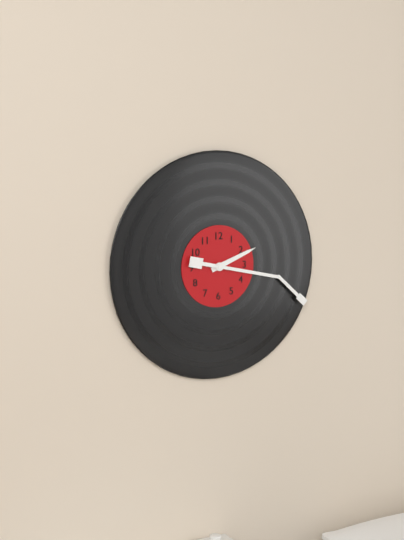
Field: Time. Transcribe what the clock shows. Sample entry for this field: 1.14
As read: 2.17
